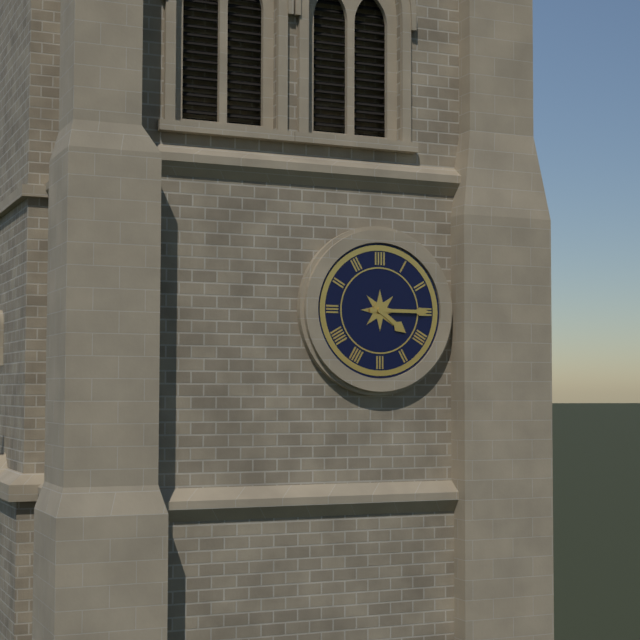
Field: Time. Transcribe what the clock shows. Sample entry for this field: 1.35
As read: 4.15
